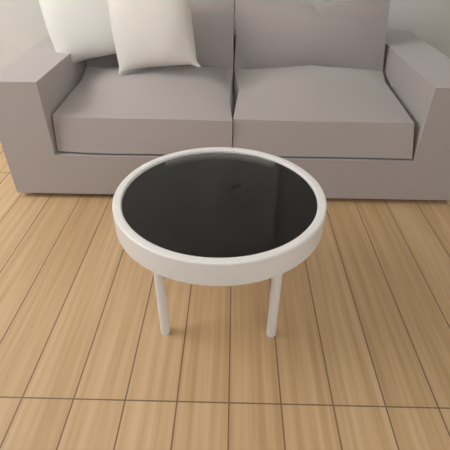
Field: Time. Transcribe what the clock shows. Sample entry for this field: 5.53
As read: 5.52
